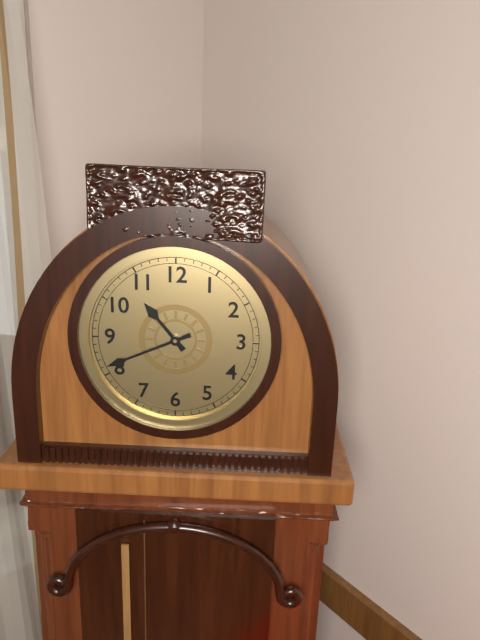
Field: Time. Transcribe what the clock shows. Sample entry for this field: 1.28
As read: 10.41
